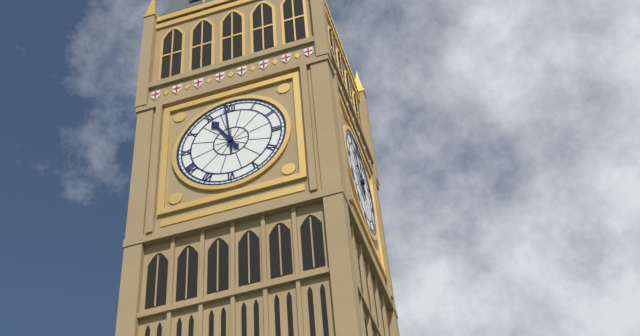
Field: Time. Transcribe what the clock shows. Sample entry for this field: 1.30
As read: 10.59
